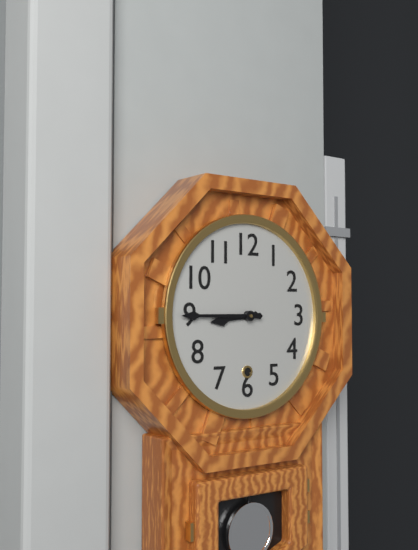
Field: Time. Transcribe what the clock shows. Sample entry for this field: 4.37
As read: 8.45
